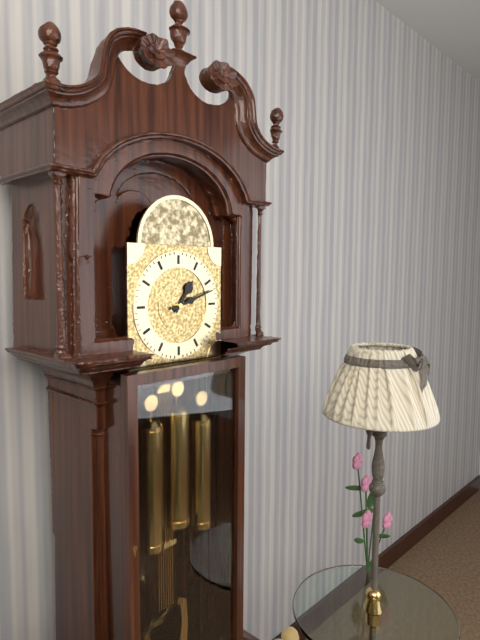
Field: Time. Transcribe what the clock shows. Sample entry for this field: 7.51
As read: 1.12
